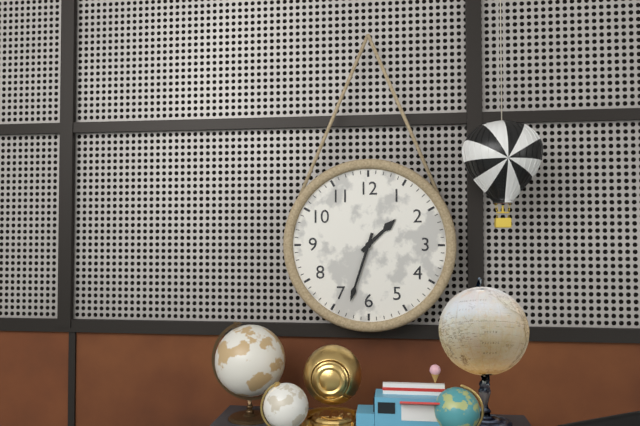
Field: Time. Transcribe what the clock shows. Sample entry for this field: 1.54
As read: 1.33
